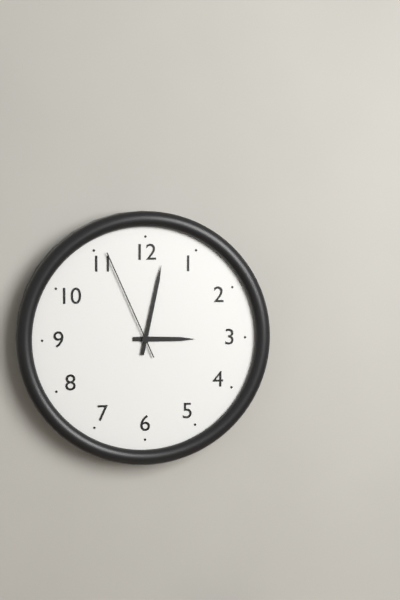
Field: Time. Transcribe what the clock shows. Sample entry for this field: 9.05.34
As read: 3.02.56
